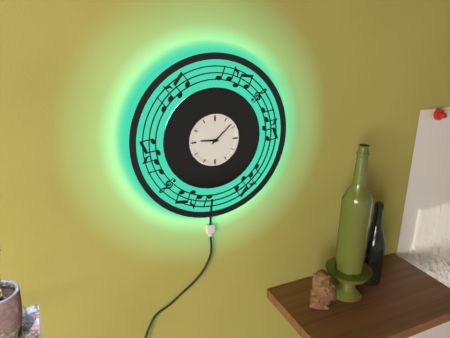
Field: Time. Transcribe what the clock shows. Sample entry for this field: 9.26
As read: 9.08
